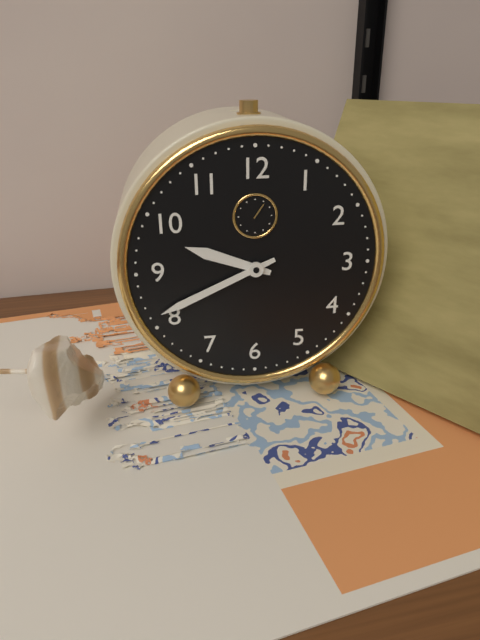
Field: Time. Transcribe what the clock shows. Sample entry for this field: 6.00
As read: 9.41
